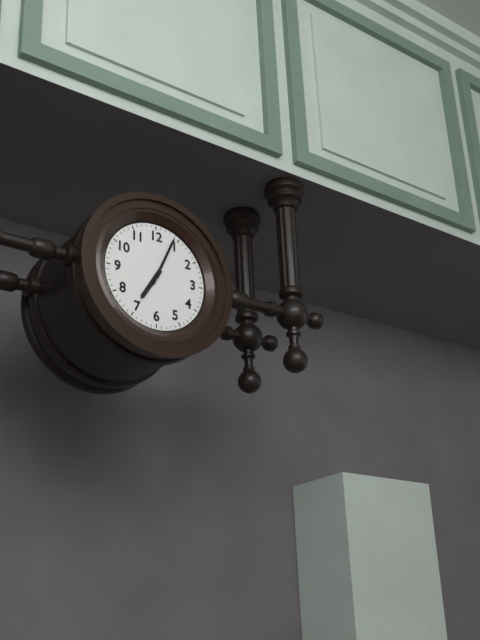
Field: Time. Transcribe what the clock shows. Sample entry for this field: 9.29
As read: 7.04
